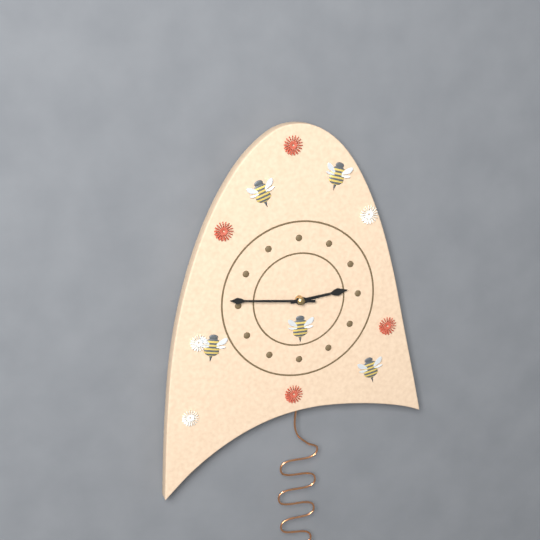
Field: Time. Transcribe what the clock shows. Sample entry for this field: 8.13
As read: 2.46
